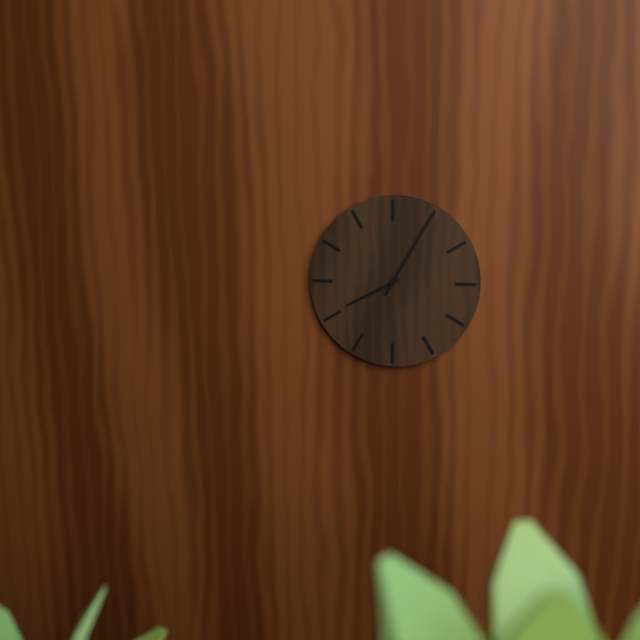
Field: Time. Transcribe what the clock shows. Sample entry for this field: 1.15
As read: 8.05
